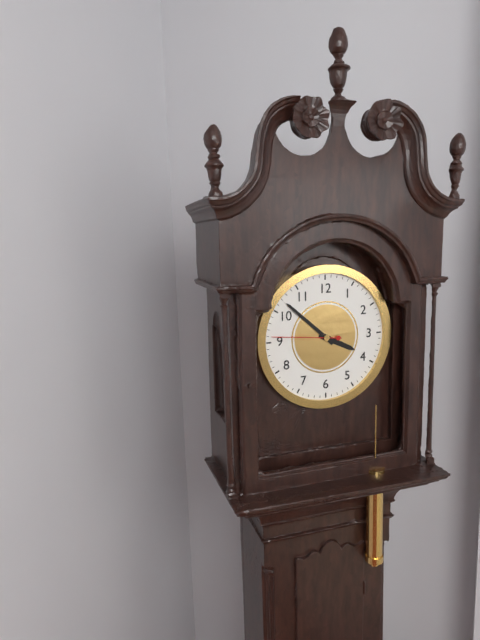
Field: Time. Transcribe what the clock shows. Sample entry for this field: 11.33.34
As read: 3.52.46
